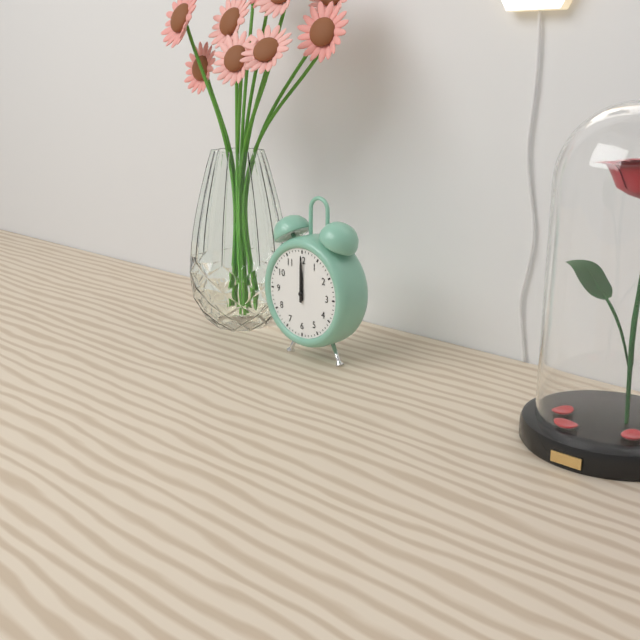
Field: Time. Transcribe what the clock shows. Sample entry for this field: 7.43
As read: 12.00
